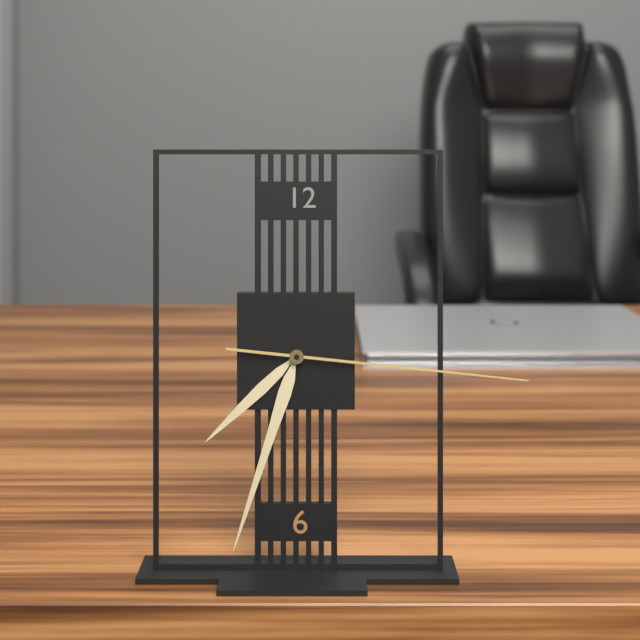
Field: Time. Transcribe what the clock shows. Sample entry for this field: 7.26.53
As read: 7.33.16
